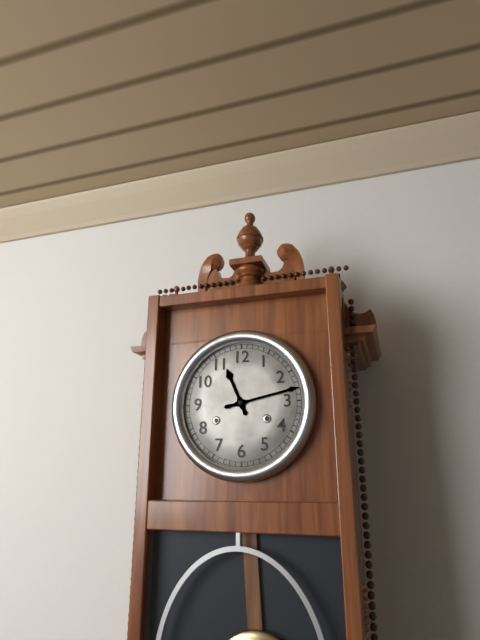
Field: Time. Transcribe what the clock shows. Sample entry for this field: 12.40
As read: 11.13
